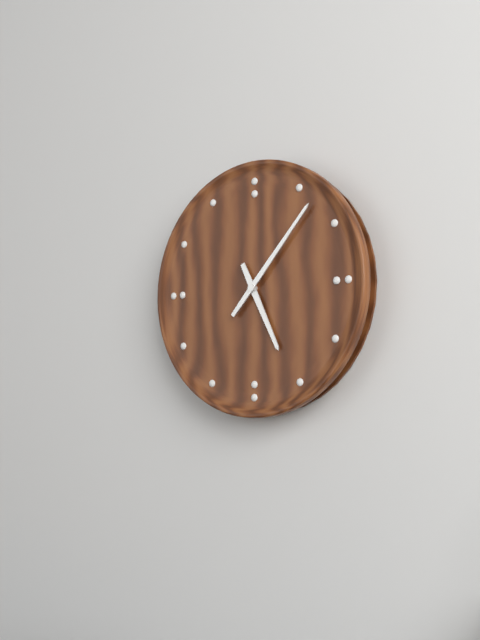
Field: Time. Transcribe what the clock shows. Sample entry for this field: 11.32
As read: 5.07
